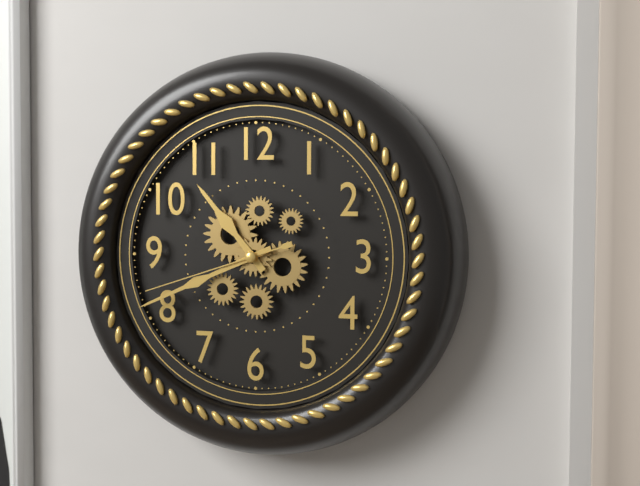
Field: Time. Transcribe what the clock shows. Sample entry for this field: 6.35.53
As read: 10.41.42
